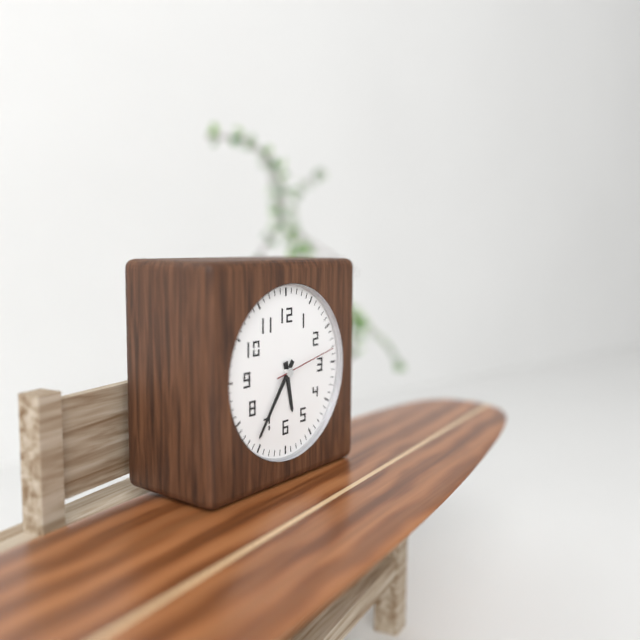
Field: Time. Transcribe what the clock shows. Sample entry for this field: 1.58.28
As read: 5.36.13
